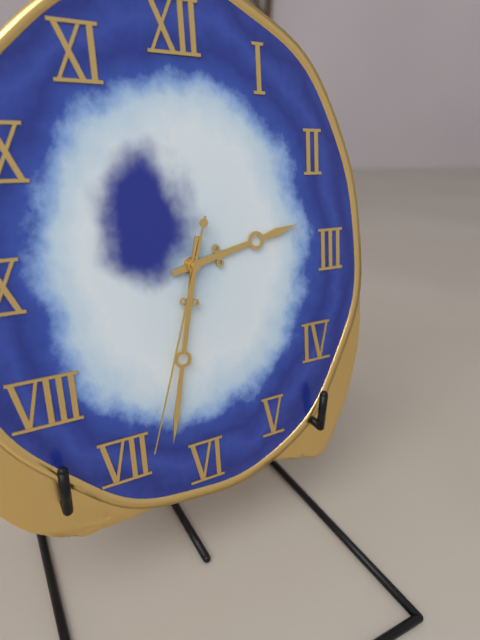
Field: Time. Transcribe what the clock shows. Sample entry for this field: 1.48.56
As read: 2.32.33
